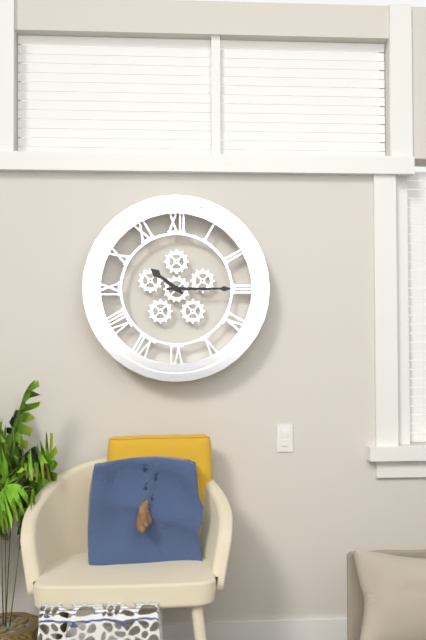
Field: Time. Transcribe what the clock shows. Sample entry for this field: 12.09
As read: 10.15
